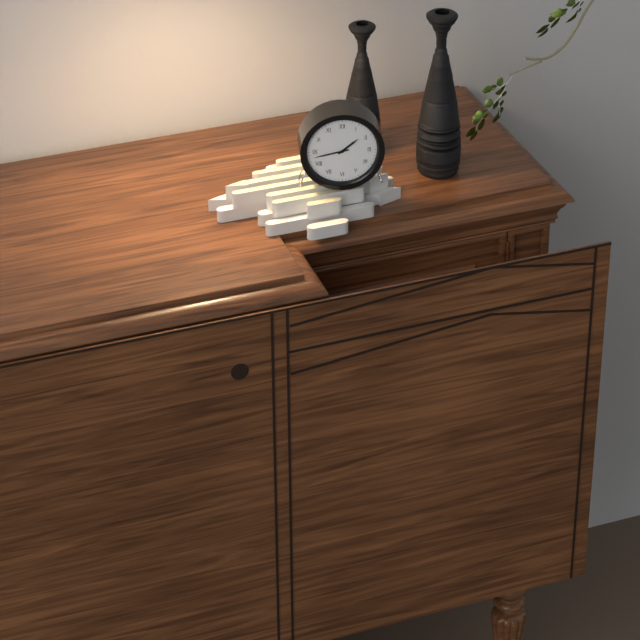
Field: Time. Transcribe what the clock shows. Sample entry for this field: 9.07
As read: 1.43
